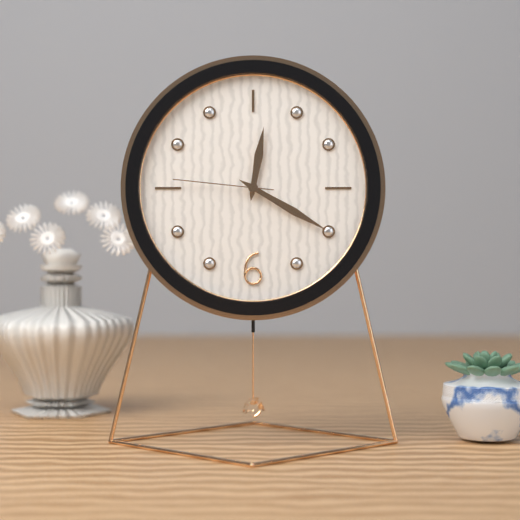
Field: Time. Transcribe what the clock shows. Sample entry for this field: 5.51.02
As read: 12.20.46
